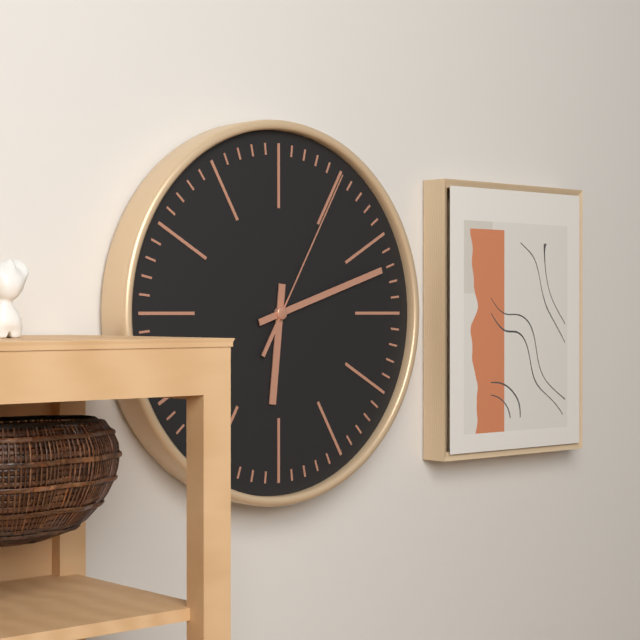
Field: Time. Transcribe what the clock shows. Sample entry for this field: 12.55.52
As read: 6.12.05
